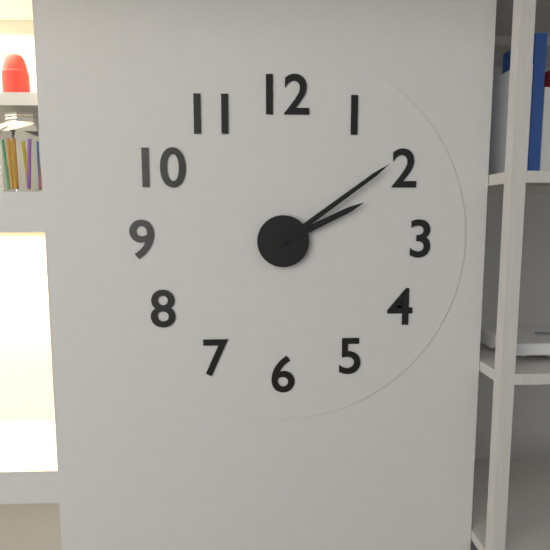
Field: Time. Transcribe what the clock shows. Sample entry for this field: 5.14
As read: 2.09
